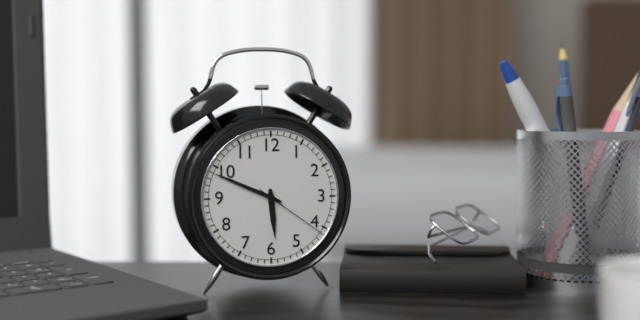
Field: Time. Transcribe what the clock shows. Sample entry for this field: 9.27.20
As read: 5.49.21
